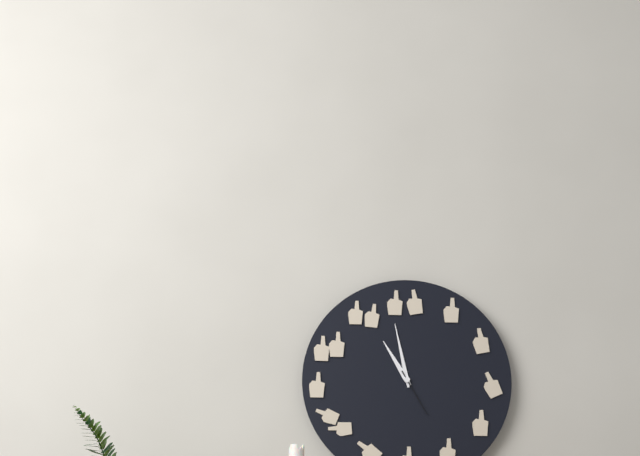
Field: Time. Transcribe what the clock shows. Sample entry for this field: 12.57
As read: 10.58
